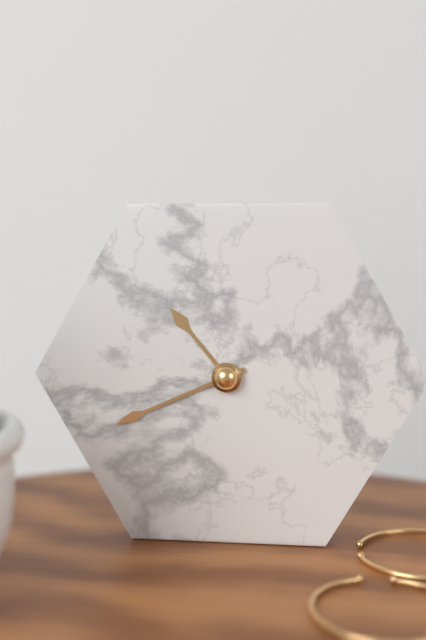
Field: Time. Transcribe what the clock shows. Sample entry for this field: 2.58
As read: 10.41
